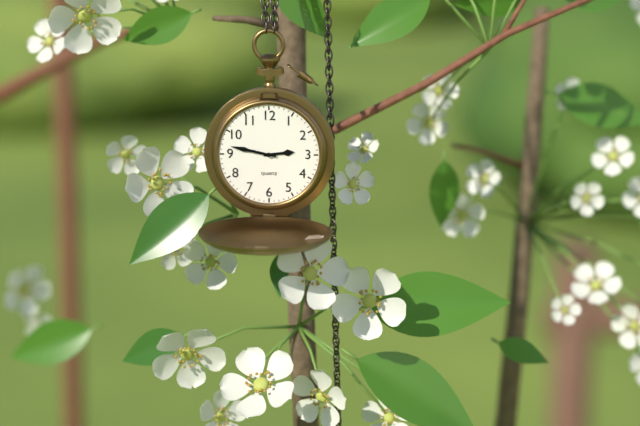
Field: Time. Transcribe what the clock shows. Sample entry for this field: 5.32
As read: 2.47
